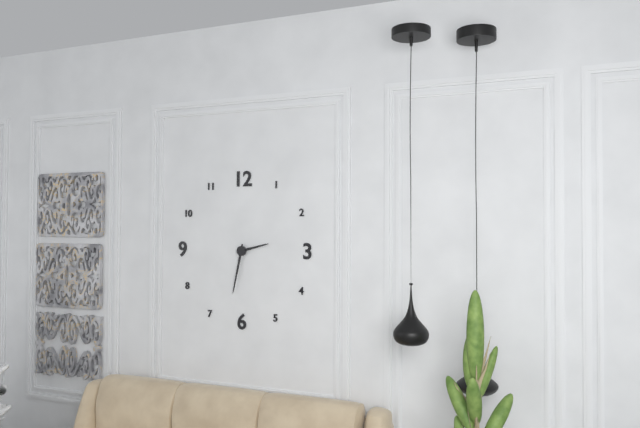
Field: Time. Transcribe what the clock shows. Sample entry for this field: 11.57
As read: 2.32
